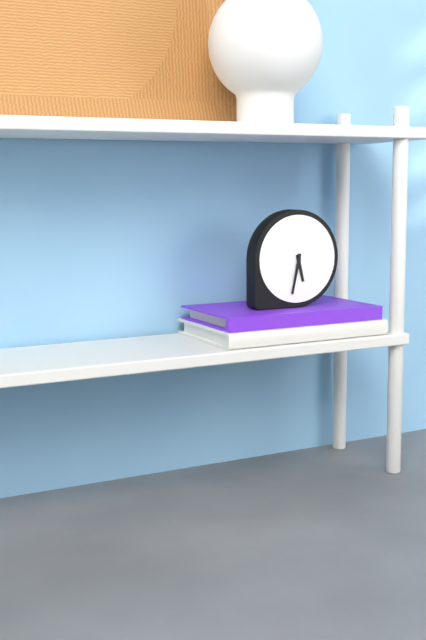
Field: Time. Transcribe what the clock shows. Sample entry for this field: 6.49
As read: 5.32
